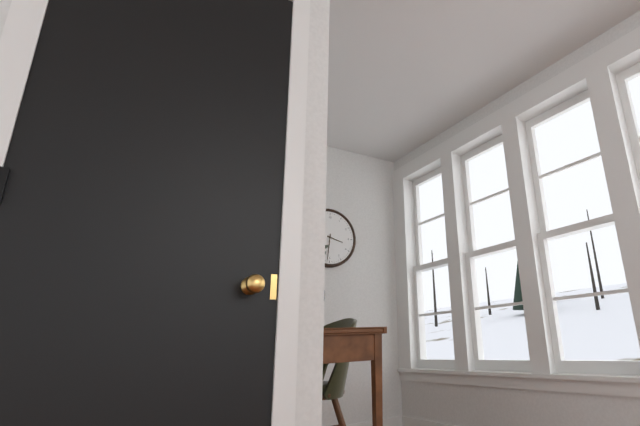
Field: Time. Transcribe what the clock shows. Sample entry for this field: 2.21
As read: 3.31
